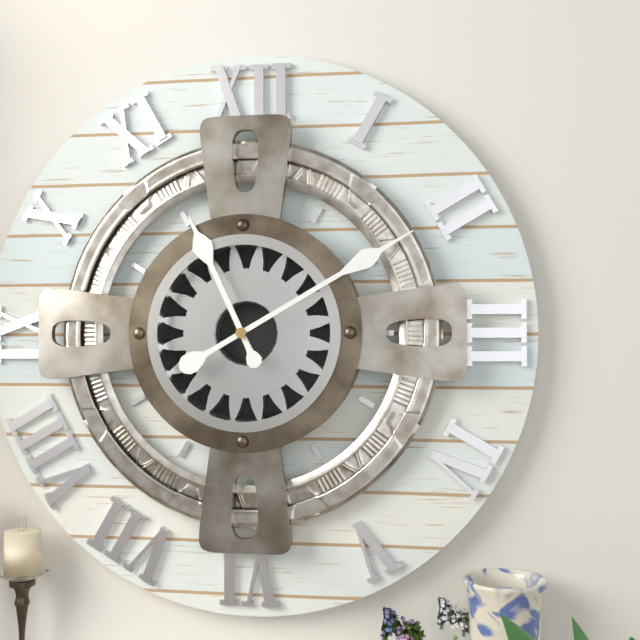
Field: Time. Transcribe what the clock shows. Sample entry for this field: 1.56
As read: 11.10
